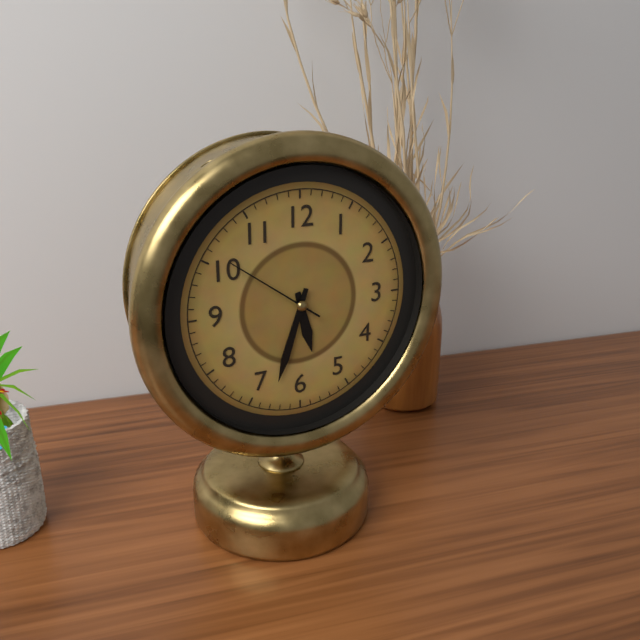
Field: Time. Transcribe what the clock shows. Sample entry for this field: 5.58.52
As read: 5.33.51
